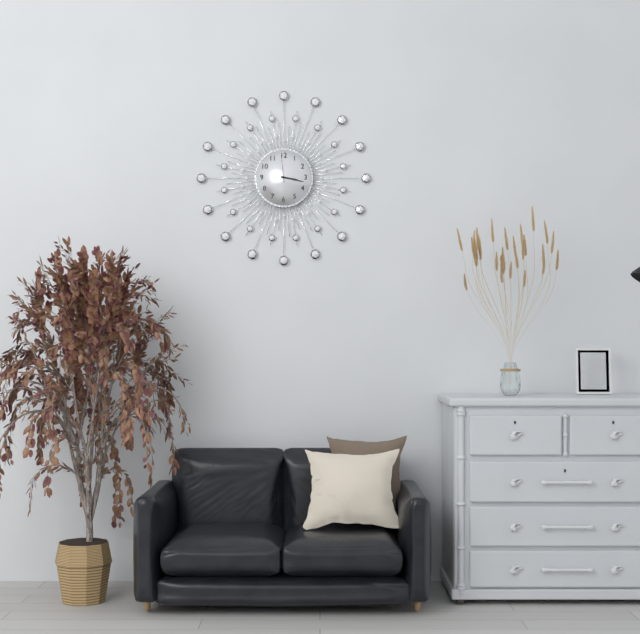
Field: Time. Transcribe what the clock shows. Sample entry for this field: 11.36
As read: 3.17
